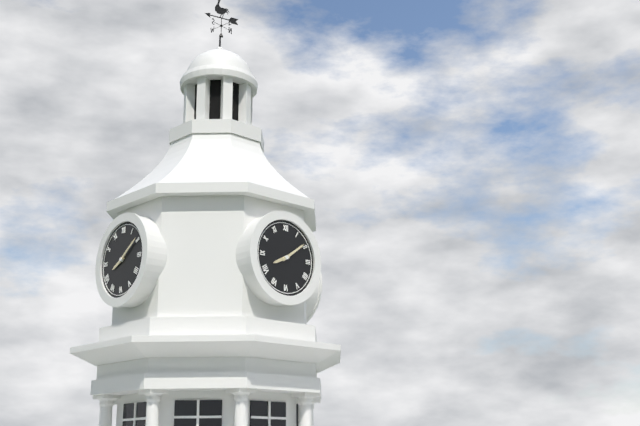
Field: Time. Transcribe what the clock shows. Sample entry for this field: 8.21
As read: 8.09
